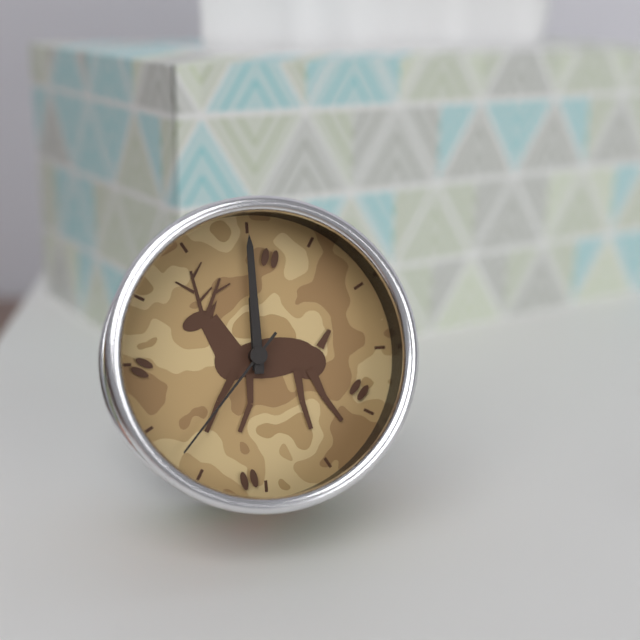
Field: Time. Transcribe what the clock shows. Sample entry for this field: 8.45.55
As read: 12.00.37
